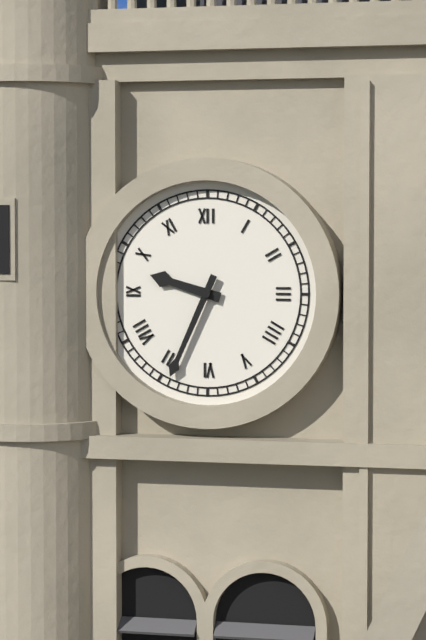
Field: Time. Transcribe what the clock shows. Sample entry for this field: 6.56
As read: 9.34
